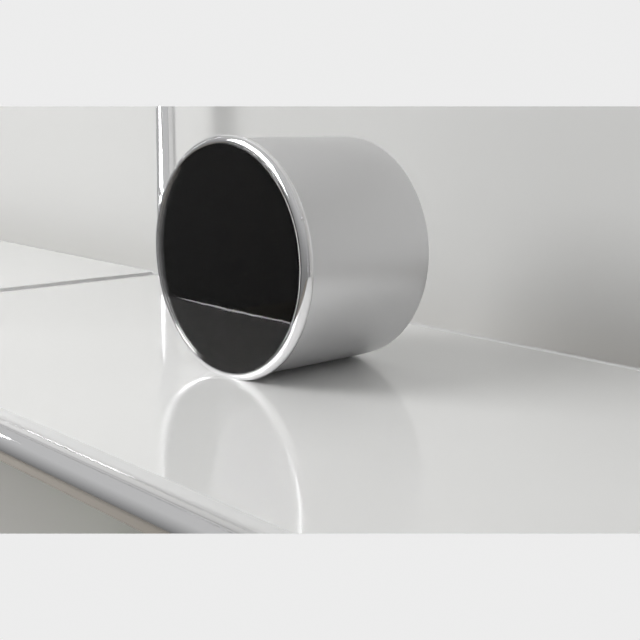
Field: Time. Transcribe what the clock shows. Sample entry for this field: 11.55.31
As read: 2.29.06
